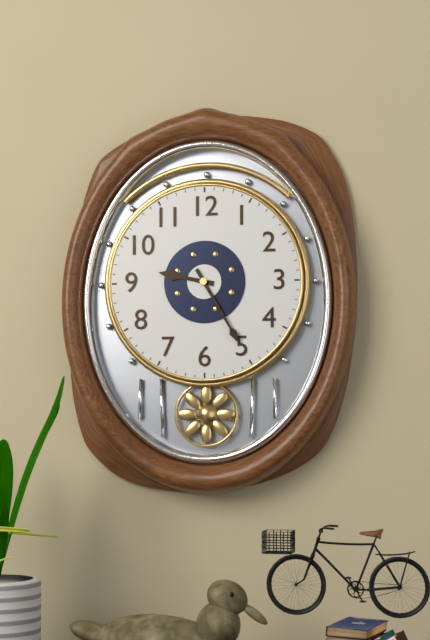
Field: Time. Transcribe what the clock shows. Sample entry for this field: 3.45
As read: 9.25
